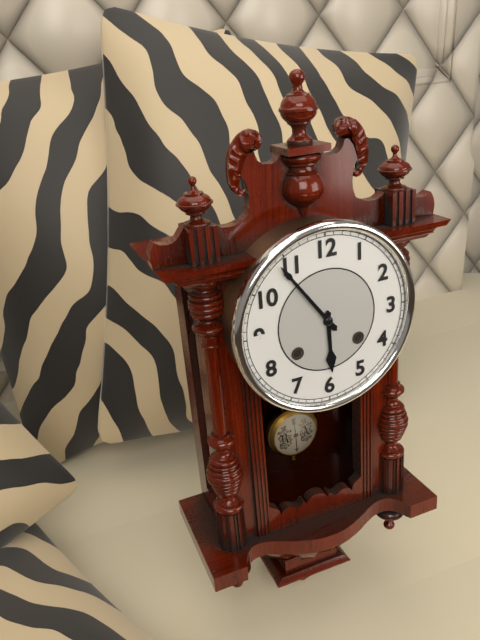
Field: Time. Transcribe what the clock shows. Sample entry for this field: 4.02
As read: 5.54
